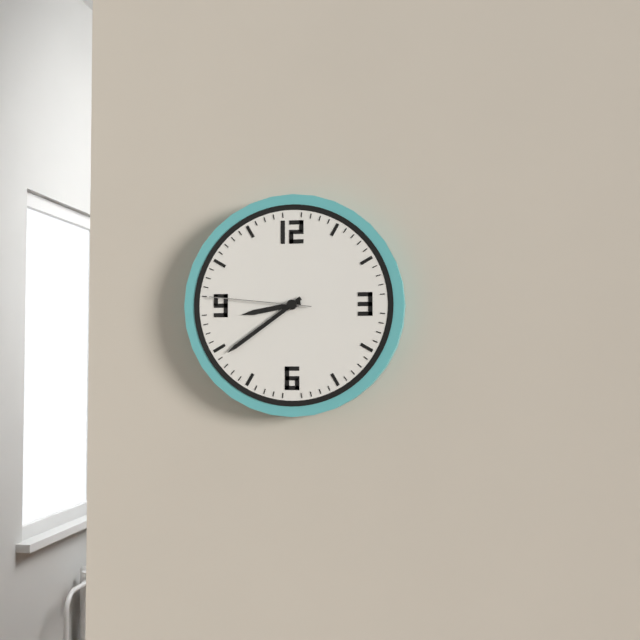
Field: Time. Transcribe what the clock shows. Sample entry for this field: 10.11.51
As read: 8.39.46
